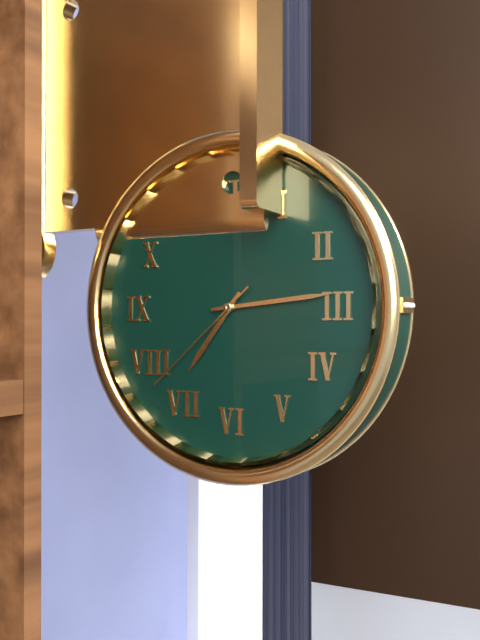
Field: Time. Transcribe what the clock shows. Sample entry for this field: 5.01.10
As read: 7.14.38
